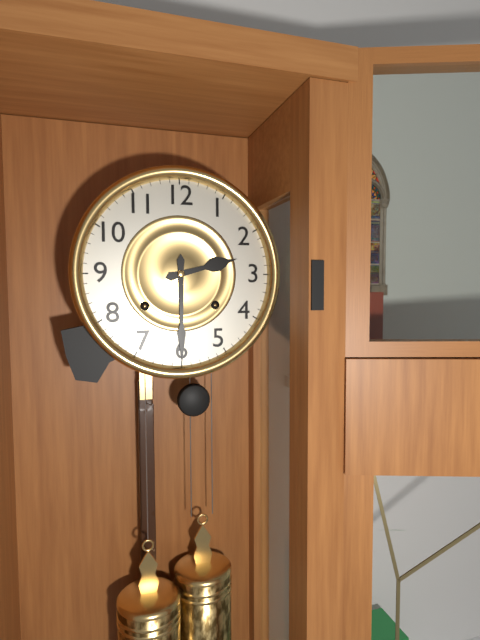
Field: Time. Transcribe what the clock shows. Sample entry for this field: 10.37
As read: 2.30
